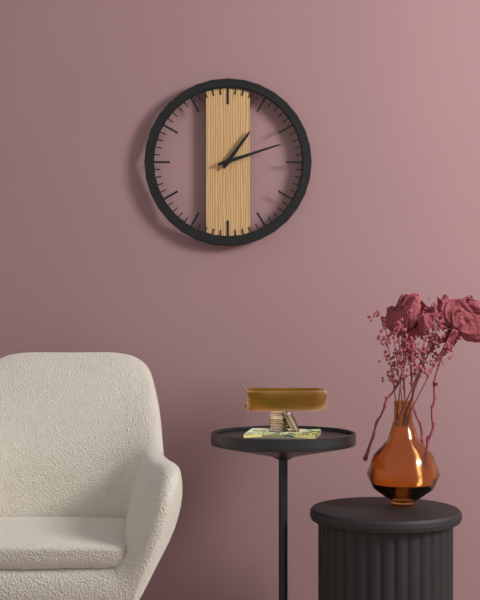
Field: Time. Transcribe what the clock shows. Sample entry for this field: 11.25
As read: 1.12
